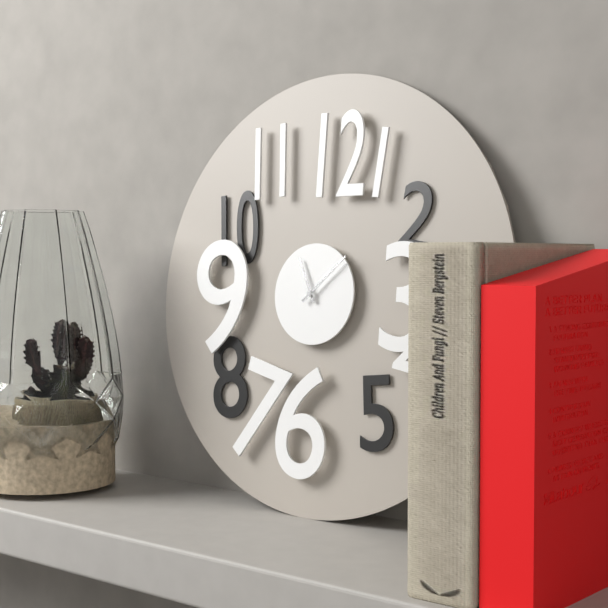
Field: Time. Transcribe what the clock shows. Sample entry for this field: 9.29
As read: 11.08
